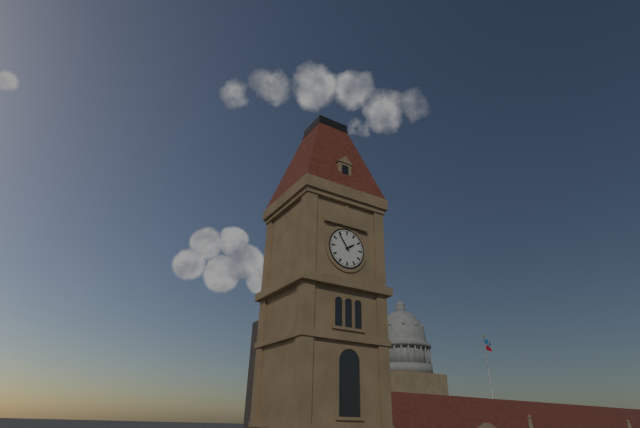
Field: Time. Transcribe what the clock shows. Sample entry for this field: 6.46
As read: 1.54
